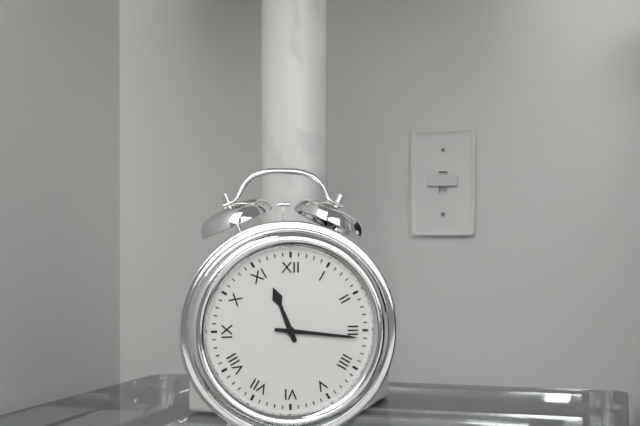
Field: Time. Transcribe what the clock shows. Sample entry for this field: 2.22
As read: 11.16
